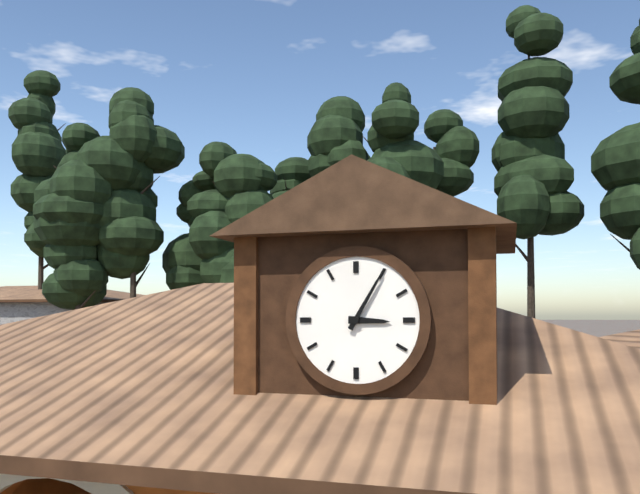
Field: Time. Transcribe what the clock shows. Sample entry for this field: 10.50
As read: 3.05
